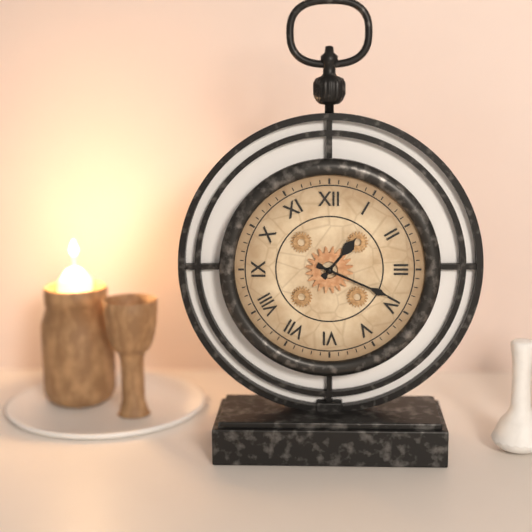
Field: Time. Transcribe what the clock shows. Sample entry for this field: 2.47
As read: 1.19
